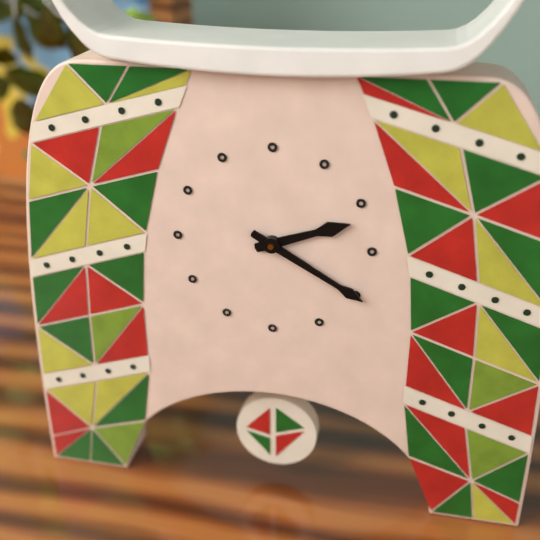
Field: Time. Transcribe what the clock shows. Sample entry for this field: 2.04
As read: 2.20
